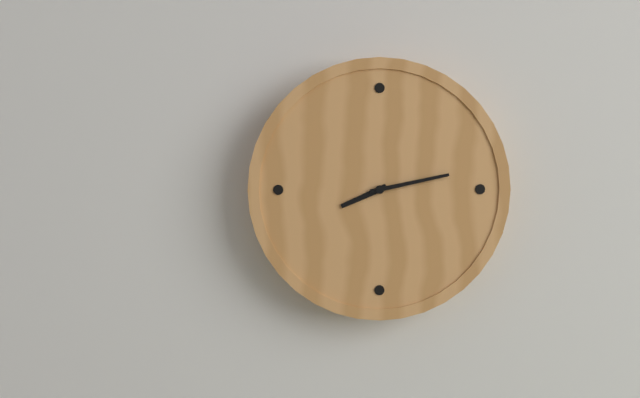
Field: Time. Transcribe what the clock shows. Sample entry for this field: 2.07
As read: 8.13
